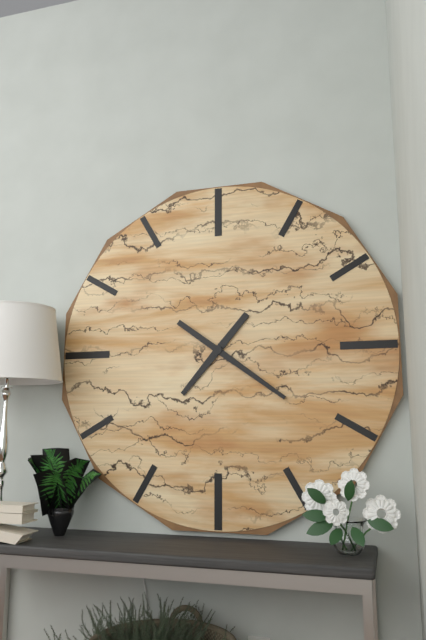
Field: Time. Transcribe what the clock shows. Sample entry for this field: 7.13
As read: 7.21
